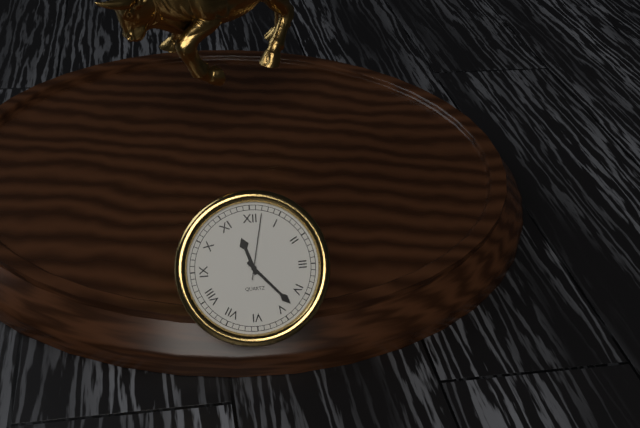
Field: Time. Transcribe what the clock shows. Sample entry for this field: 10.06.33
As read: 11.23.02
